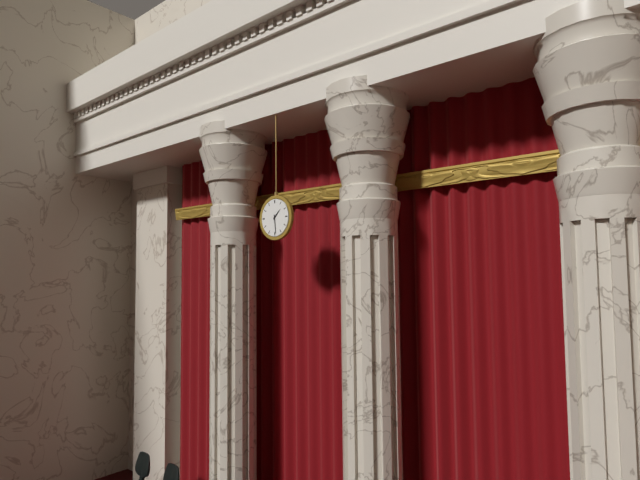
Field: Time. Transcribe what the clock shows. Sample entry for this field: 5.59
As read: 1.29
